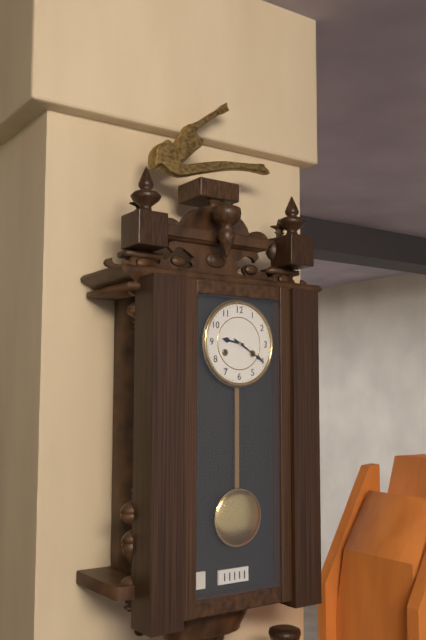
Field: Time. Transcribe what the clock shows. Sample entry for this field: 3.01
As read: 9.20
